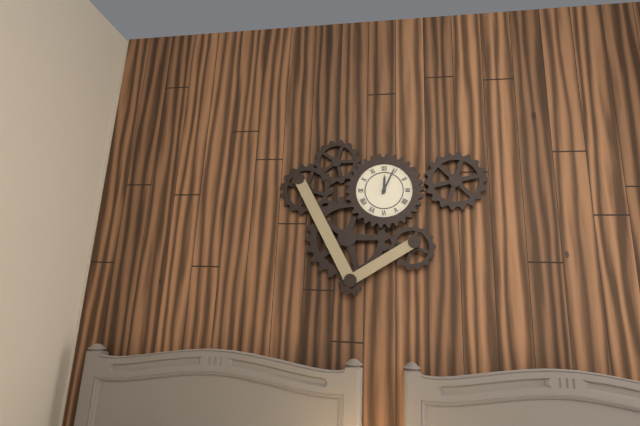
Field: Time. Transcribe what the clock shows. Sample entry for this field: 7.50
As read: 12.04
